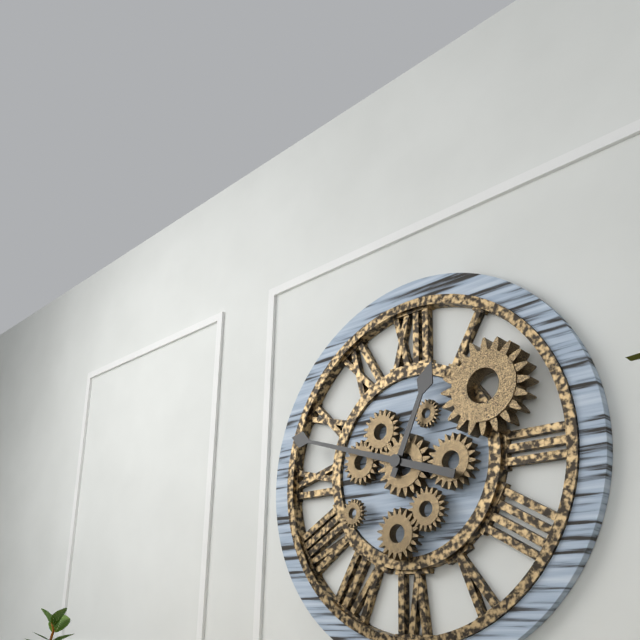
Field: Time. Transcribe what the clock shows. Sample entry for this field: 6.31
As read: 12.48
